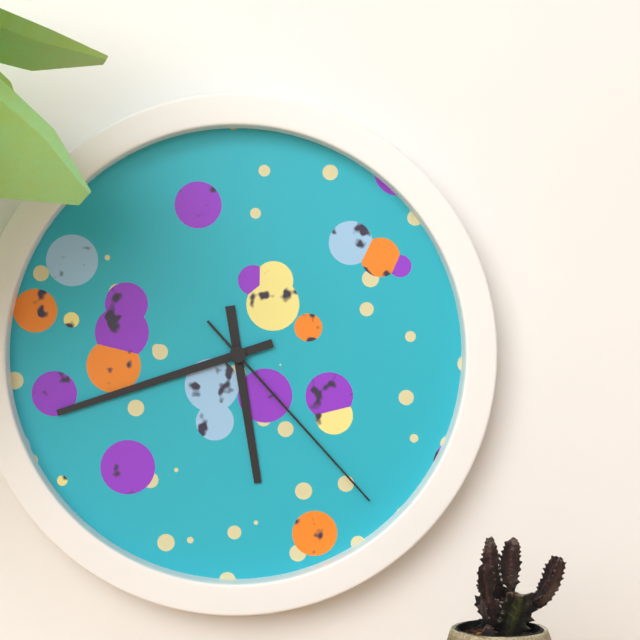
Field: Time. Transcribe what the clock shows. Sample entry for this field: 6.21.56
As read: 5.42.23
